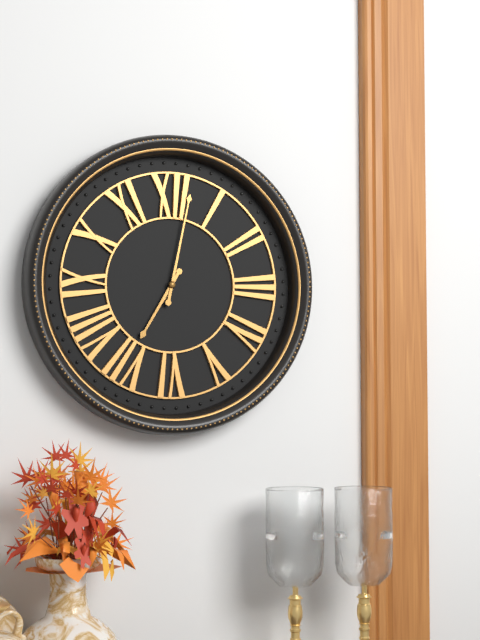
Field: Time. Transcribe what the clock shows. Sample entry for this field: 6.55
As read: 7.02
